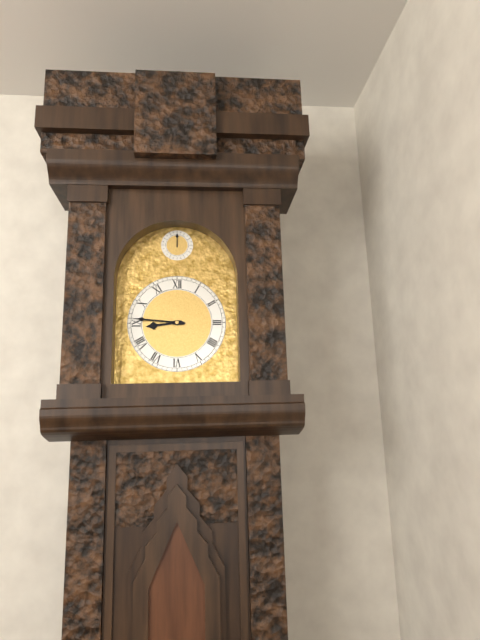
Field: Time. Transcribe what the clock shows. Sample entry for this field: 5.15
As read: 8.46
